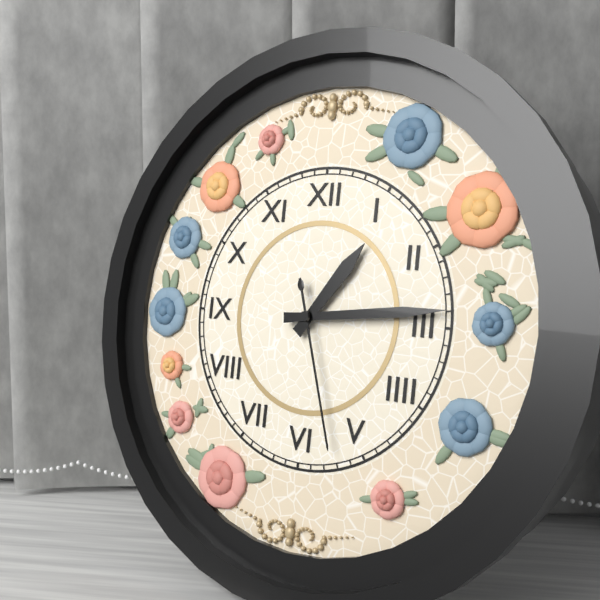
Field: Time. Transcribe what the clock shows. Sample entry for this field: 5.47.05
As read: 1.14.27
